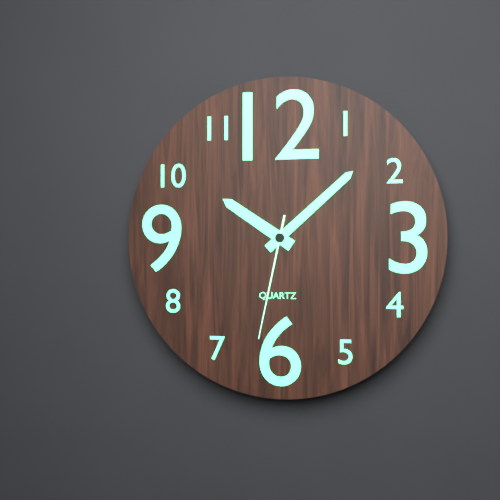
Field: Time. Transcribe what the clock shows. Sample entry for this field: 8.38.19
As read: 10.08.32
